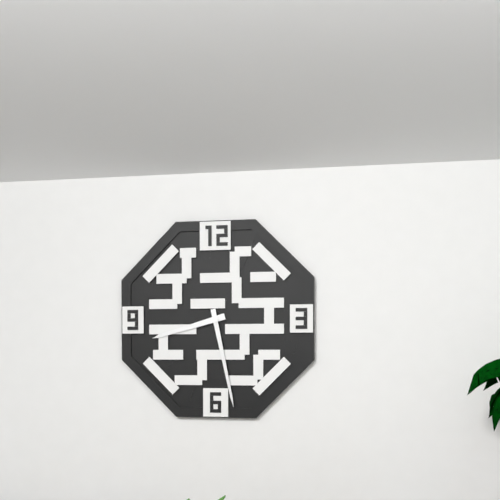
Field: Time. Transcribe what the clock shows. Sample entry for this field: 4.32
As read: 8.28
